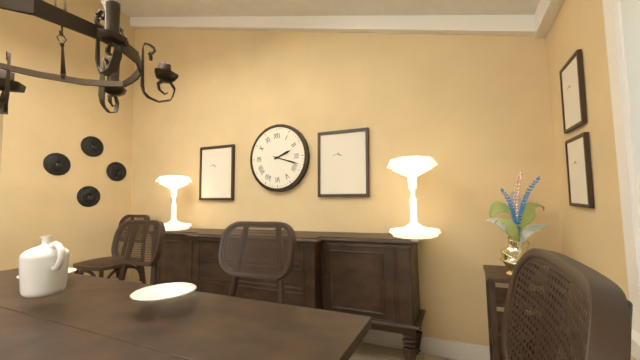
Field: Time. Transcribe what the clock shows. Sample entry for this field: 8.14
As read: 2.18
